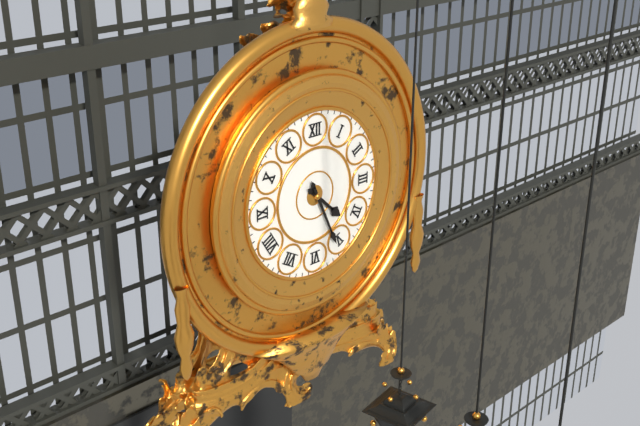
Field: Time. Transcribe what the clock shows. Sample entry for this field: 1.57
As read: 4.26
